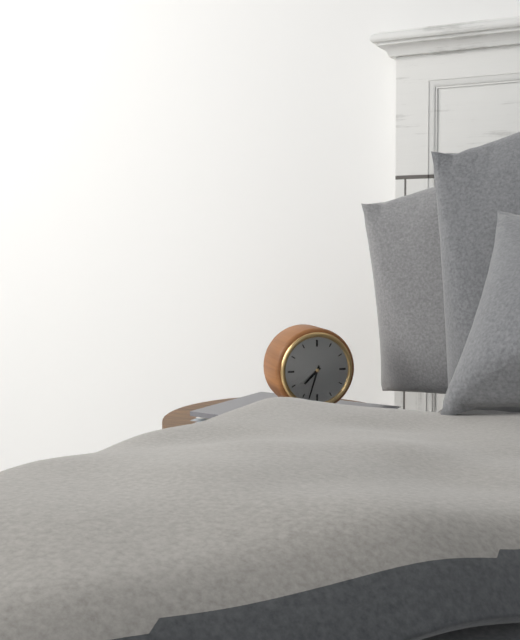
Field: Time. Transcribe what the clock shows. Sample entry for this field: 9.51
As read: 7.33
